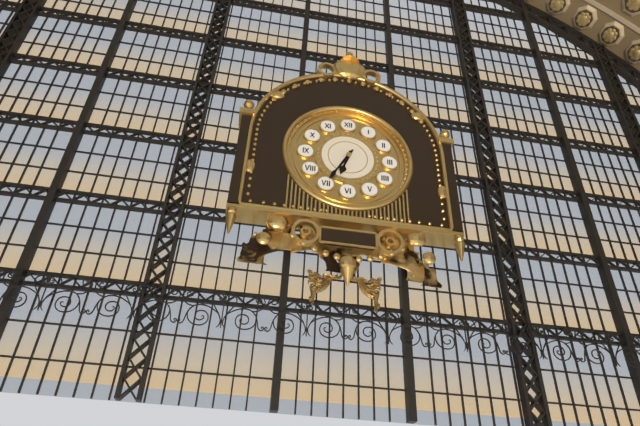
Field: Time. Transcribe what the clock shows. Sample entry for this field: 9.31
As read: 6.35
